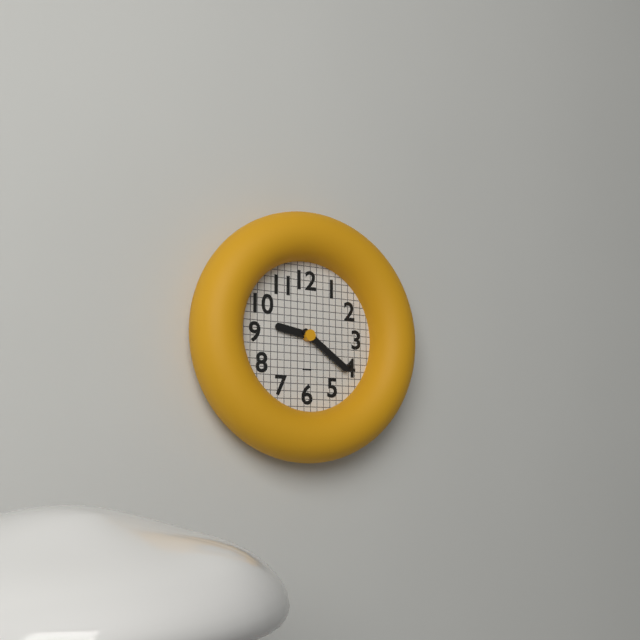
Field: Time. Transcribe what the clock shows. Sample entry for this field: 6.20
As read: 9.21
